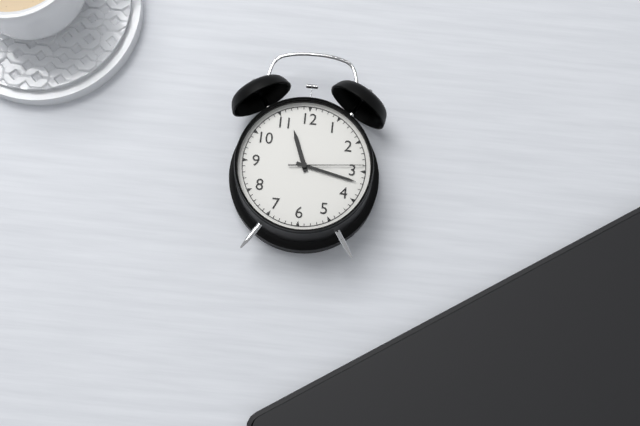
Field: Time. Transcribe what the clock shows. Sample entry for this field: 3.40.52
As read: 11.17.14
